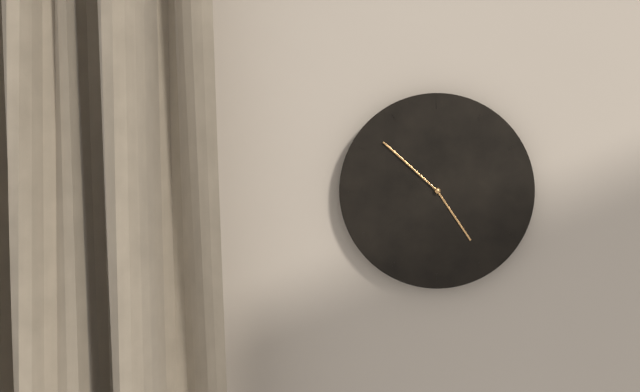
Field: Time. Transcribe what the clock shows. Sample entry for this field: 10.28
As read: 4.52
